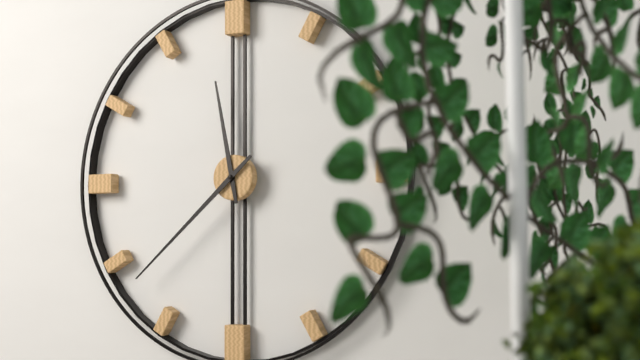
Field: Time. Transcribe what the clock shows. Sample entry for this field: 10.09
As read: 11.38
